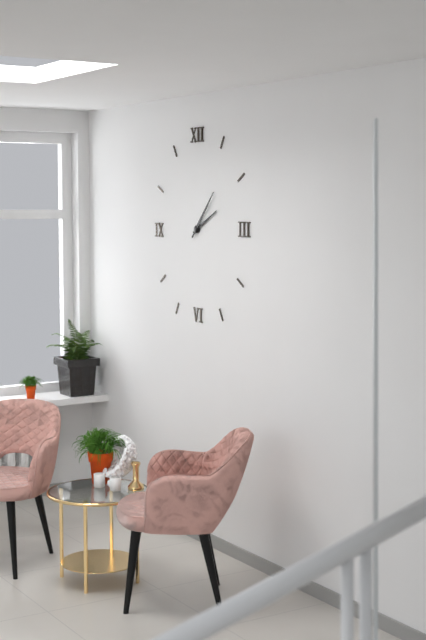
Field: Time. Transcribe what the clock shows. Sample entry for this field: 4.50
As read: 2.07
